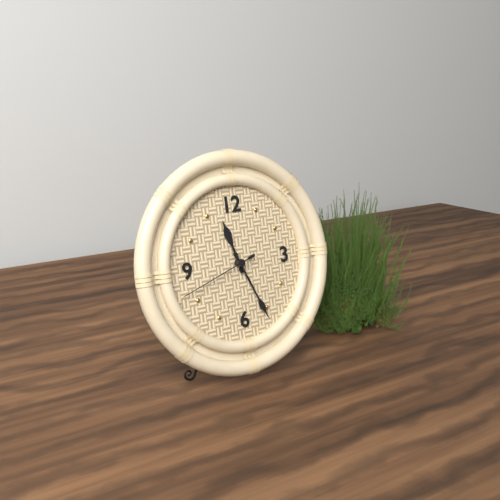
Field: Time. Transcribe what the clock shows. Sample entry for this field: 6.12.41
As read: 11.26.42
